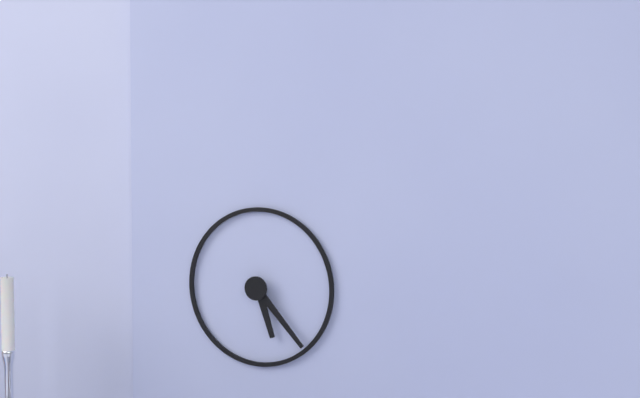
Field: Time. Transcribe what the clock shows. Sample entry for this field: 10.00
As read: 5.23
